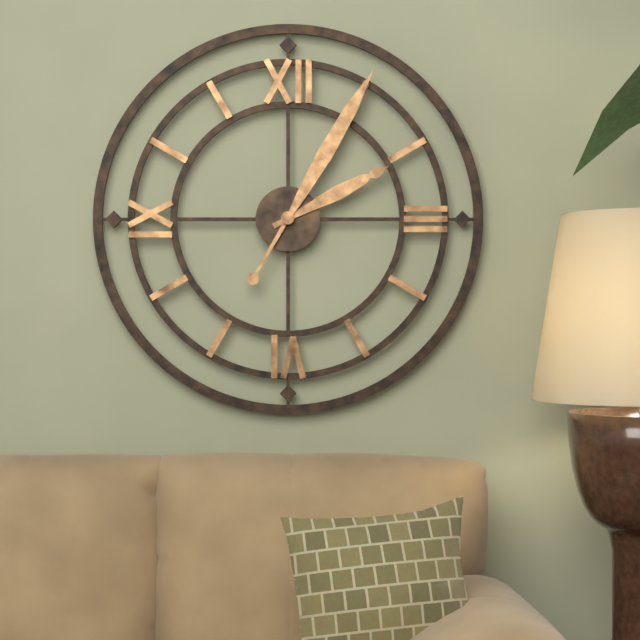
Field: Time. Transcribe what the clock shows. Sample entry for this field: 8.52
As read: 2.05
